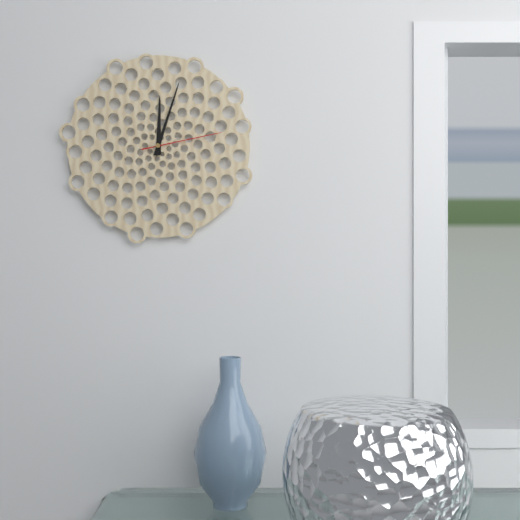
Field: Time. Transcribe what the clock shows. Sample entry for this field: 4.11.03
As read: 12.03.13
